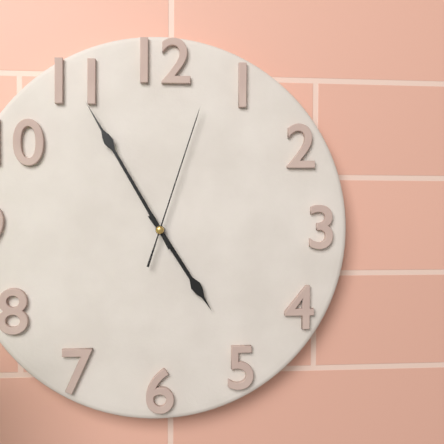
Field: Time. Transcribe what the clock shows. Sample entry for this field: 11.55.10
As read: 4.55.03
